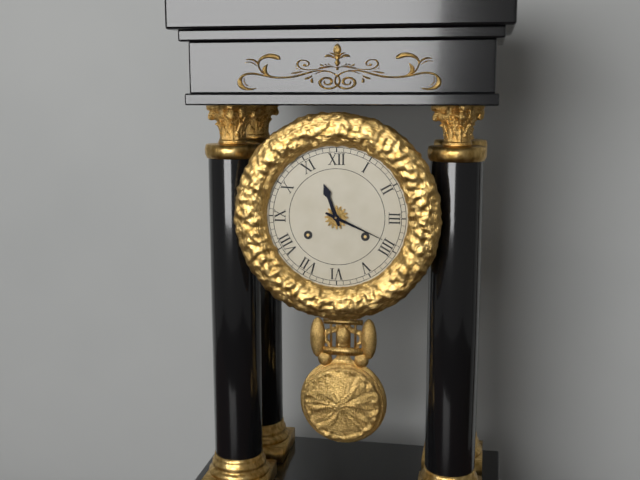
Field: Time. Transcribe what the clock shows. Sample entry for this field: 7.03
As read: 11.19
